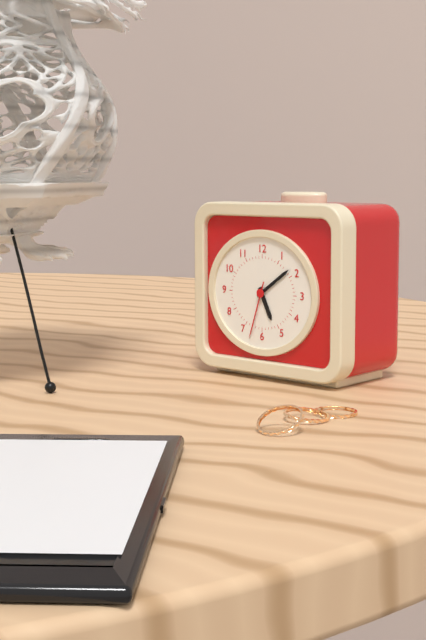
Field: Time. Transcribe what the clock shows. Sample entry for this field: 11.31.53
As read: 5.09.33
